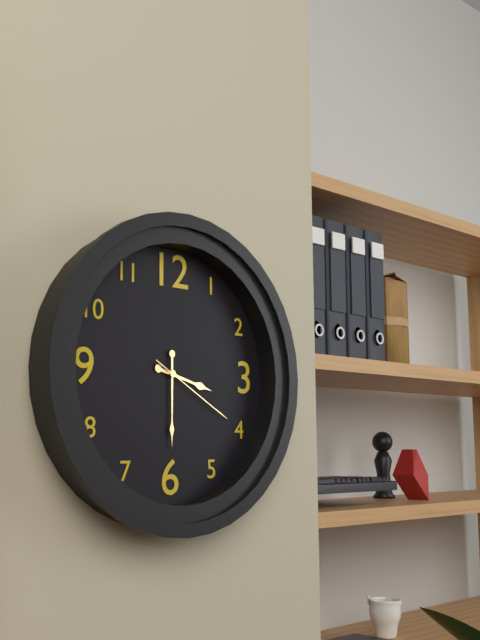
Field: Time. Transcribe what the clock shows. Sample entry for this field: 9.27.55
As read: 3.30.20
